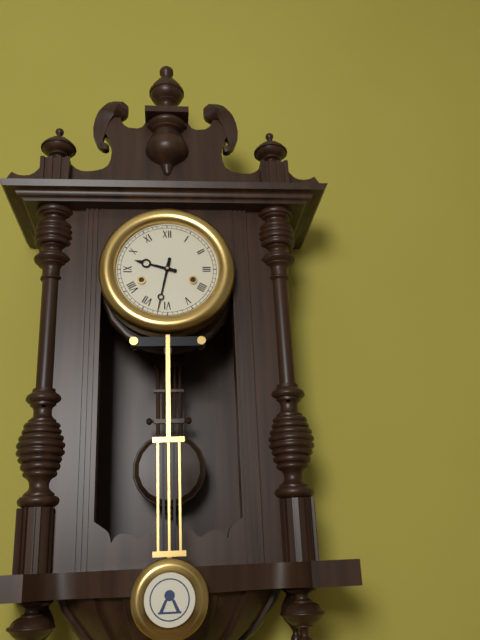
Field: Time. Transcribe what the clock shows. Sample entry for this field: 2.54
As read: 9.32
